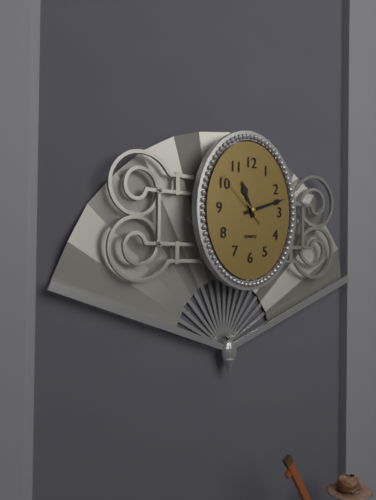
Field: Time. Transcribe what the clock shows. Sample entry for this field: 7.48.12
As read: 11.12.52
